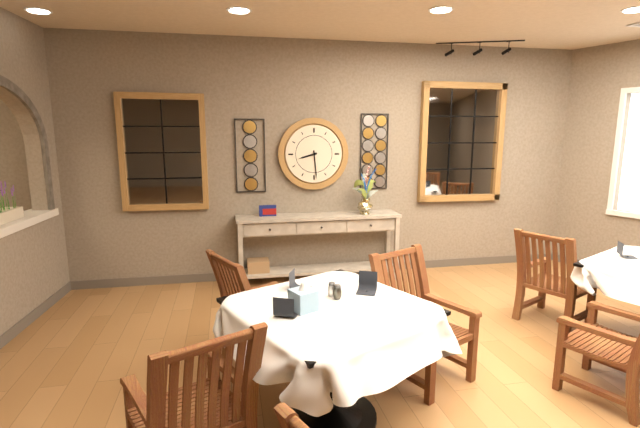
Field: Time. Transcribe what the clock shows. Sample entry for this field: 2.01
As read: 8.29
